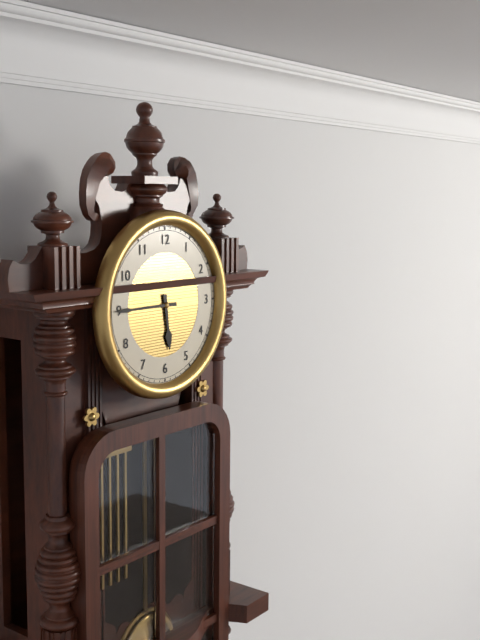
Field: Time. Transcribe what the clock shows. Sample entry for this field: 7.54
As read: 5.45
